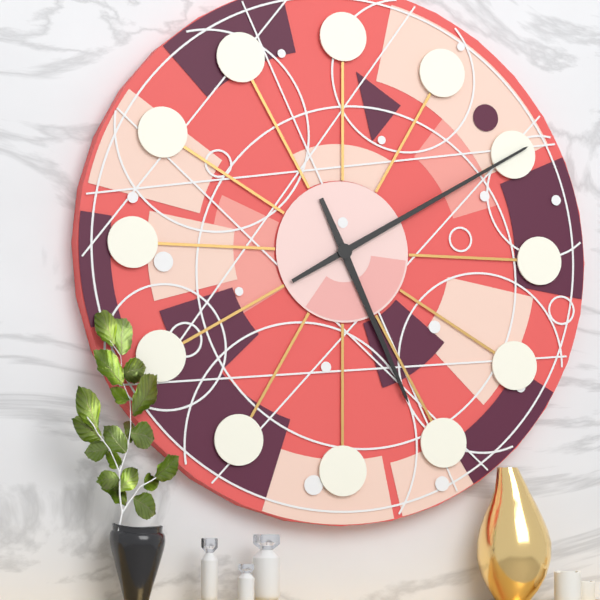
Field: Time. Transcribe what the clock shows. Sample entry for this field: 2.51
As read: 5.10
